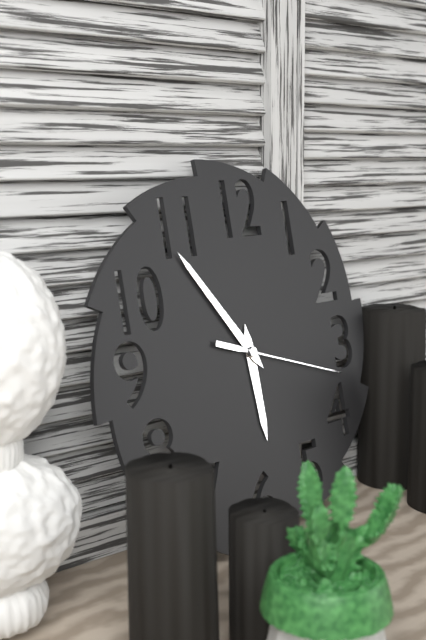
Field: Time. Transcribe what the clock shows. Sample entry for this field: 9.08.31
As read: 5.54.18
